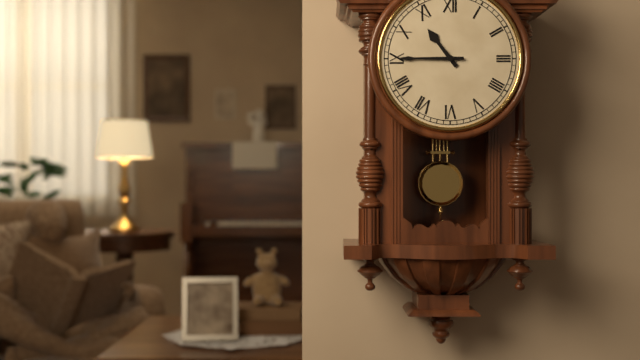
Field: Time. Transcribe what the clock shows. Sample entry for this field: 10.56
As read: 10.45
